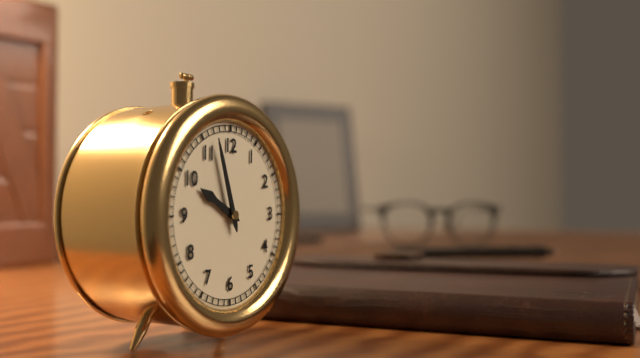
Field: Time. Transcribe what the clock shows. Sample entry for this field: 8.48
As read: 9.57
